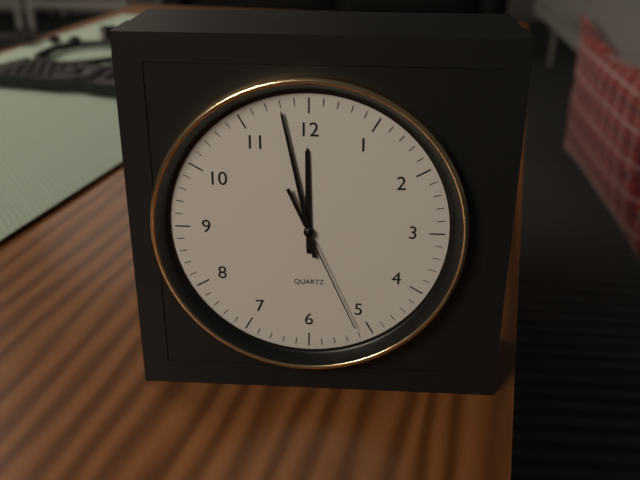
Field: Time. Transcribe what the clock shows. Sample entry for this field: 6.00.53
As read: 11.58.26
